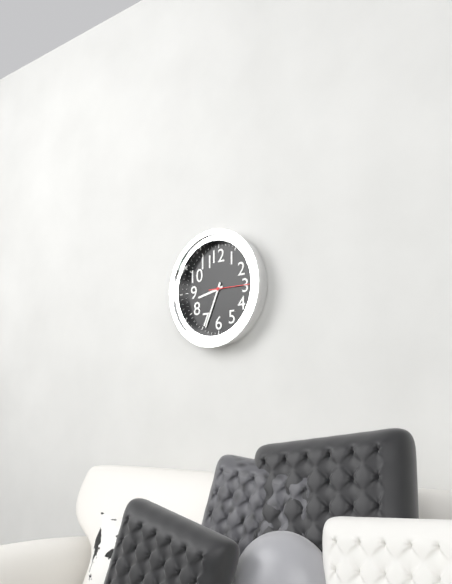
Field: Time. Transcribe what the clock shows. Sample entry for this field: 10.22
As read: 8.34
